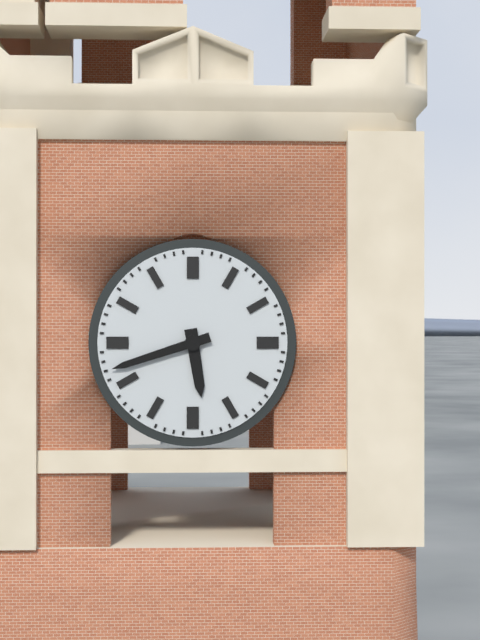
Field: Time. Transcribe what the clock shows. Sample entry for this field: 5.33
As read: 5.42
